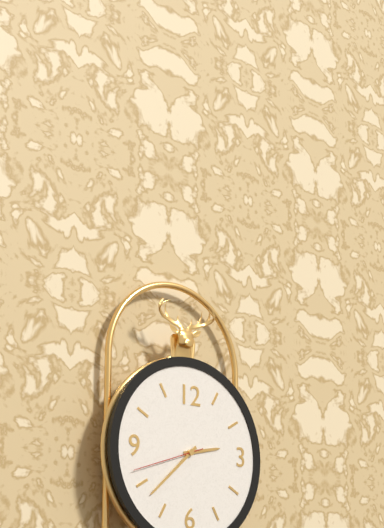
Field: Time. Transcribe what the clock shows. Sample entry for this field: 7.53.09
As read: 2.38.42
